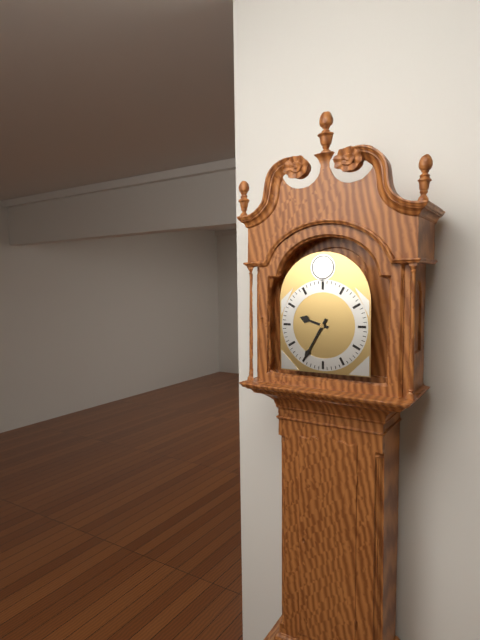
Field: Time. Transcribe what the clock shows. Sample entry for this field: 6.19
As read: 9.35
